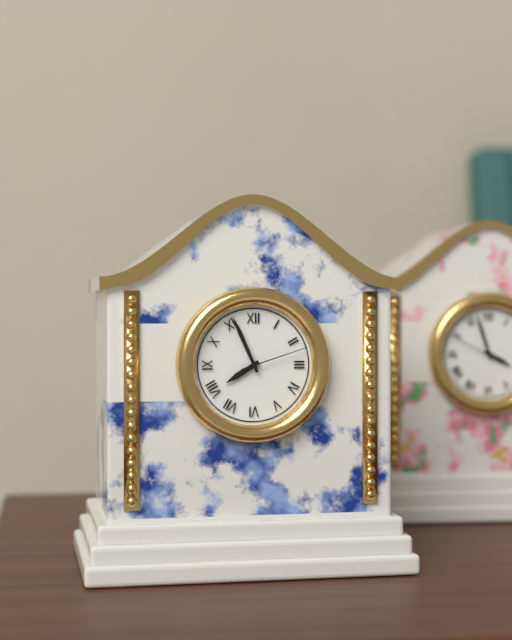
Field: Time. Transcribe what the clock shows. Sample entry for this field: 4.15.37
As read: 7.56.12
